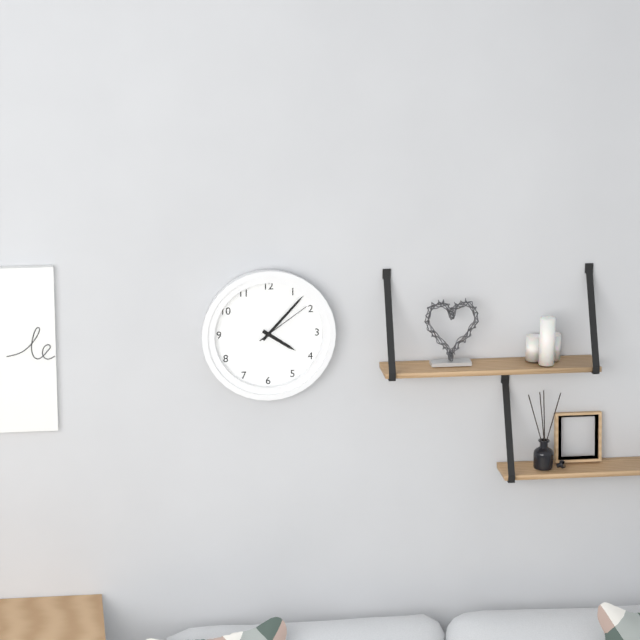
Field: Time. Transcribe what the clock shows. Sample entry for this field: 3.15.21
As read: 4.07.09
